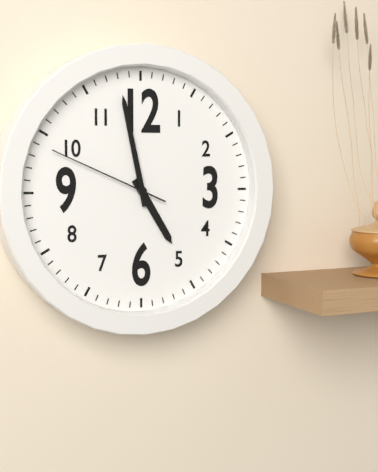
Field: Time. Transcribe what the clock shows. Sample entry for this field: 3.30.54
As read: 4.58.49
